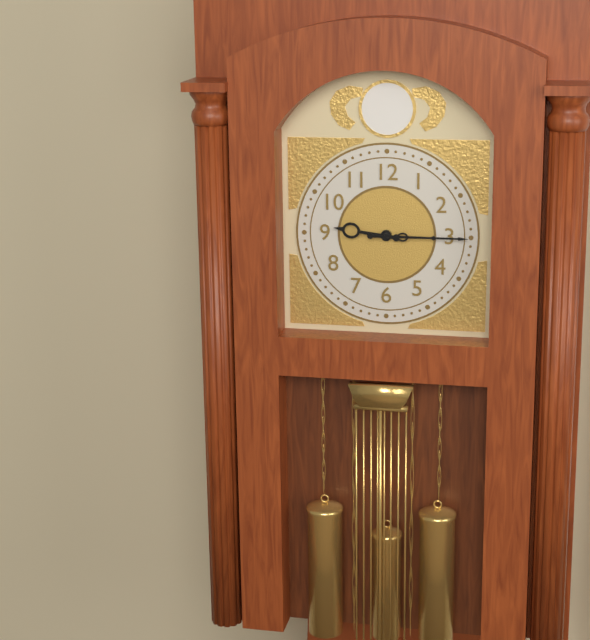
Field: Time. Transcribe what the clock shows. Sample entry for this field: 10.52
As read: 9.15
